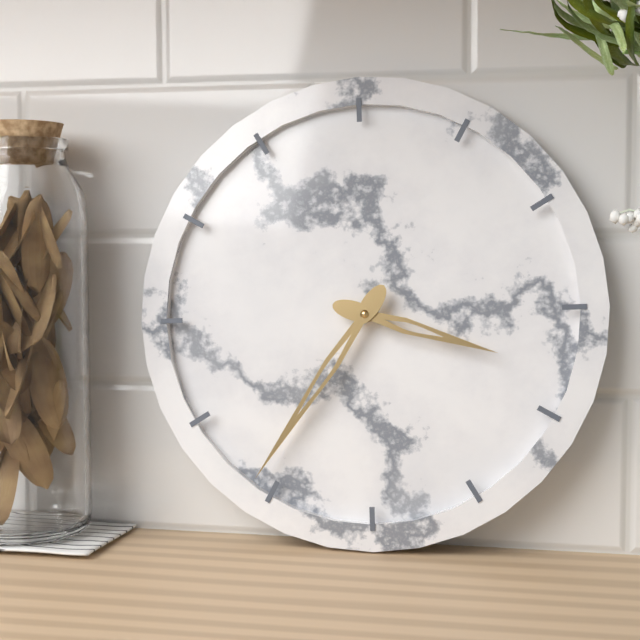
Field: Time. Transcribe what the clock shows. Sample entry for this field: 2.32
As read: 3.36
